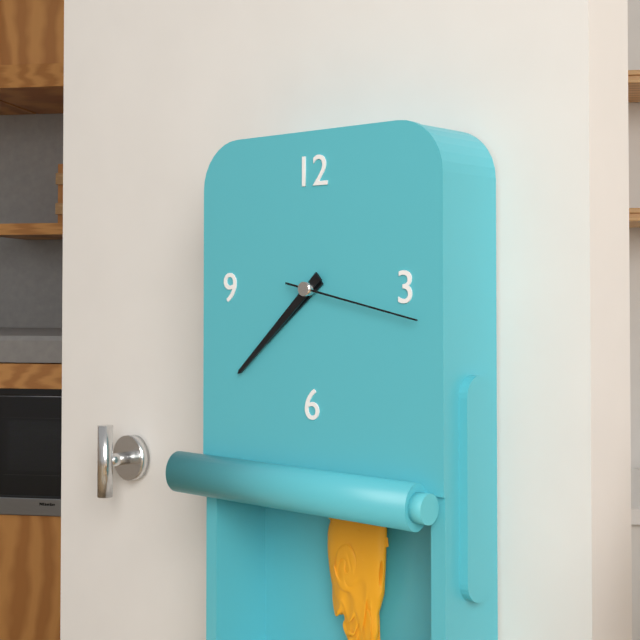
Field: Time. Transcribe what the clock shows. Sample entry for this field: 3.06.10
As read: 7.38.17
